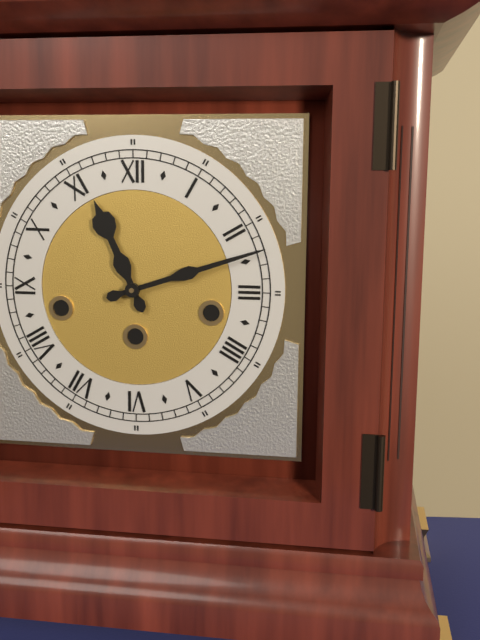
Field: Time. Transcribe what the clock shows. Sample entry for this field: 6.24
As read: 11.12
